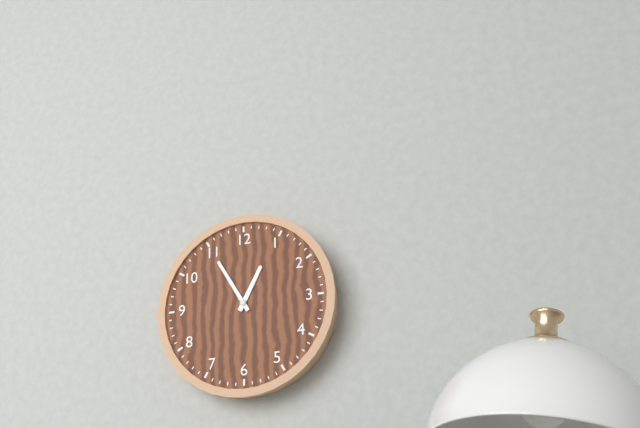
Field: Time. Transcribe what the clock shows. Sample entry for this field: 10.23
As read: 12.55
